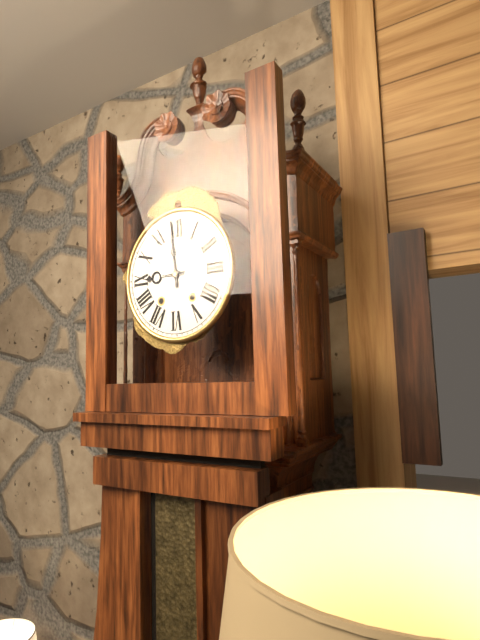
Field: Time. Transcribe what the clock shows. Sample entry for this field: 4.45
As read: 8.59
